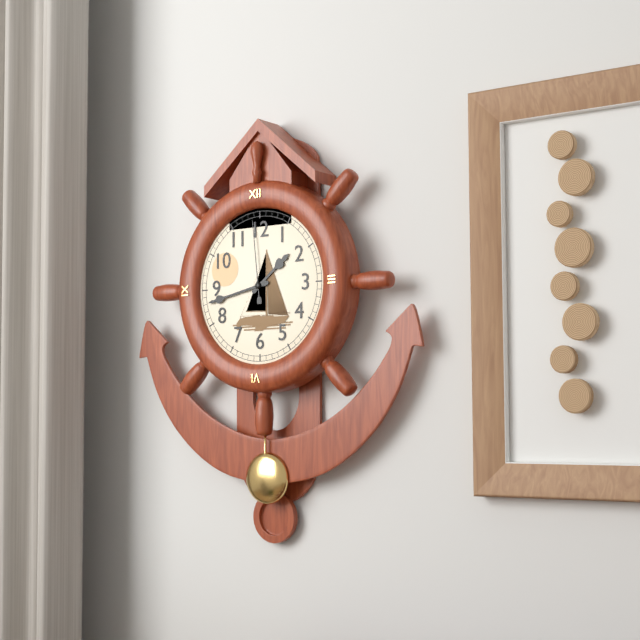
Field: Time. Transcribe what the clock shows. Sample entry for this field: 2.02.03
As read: 1.43.59
